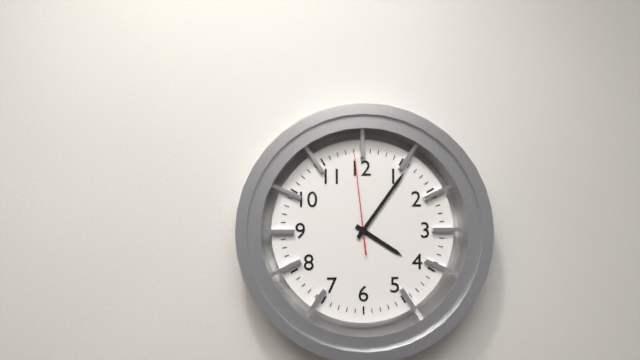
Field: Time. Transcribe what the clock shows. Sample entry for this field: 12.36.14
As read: 4.06.59
